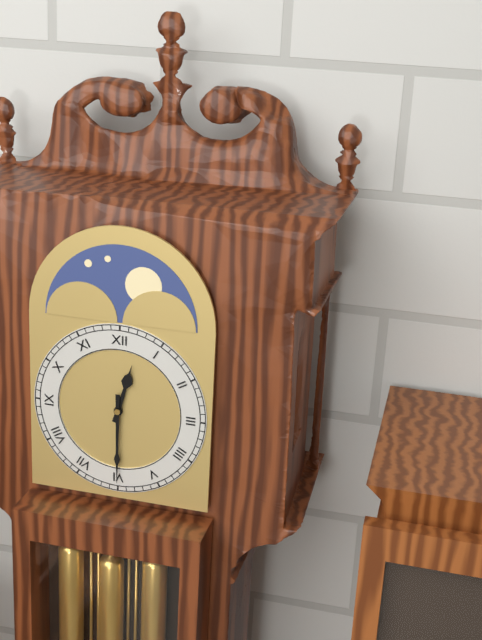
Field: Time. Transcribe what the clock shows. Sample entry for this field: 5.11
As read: 12.30
